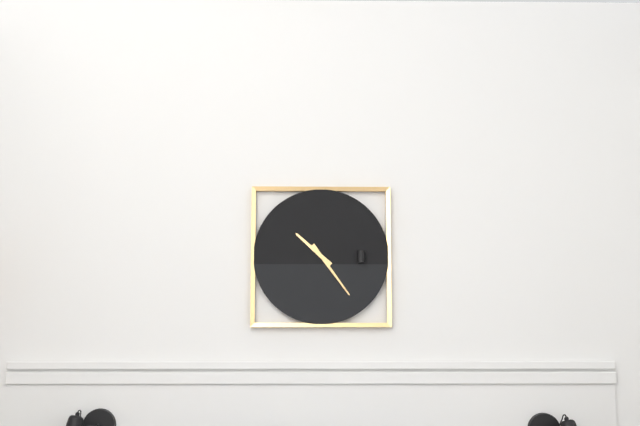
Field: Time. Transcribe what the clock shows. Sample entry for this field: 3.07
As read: 10.24
